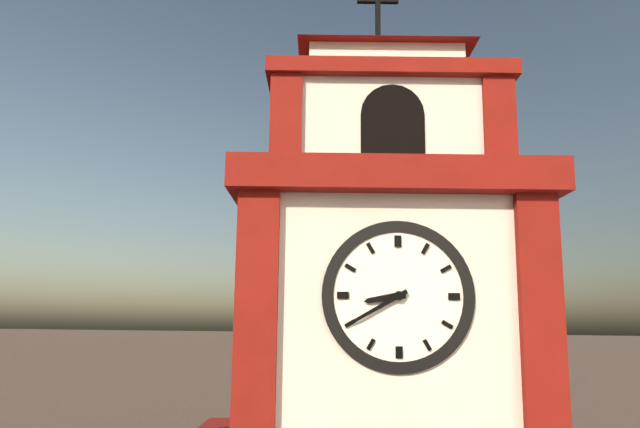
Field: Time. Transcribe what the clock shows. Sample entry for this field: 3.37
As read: 8.40
